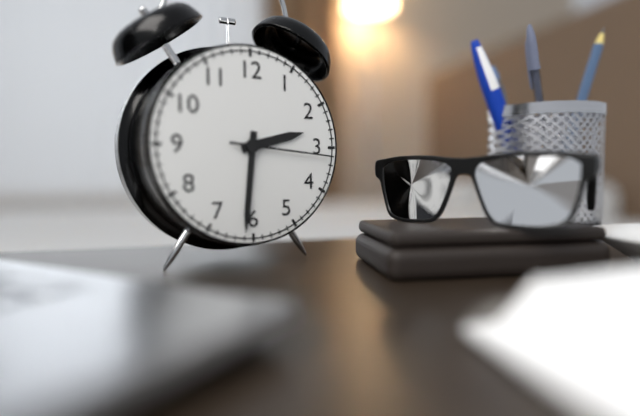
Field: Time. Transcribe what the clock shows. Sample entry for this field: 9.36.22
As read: 2.31.16
